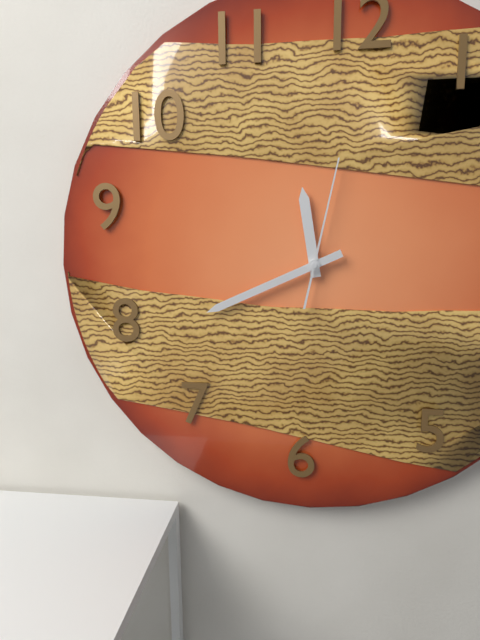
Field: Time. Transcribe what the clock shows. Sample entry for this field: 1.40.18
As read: 11.41.02
